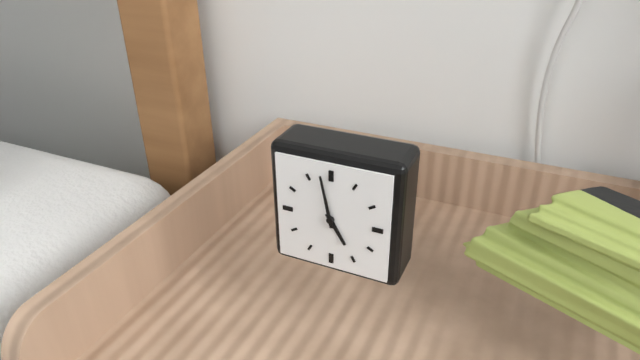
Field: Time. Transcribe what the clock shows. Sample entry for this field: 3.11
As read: 4.58
